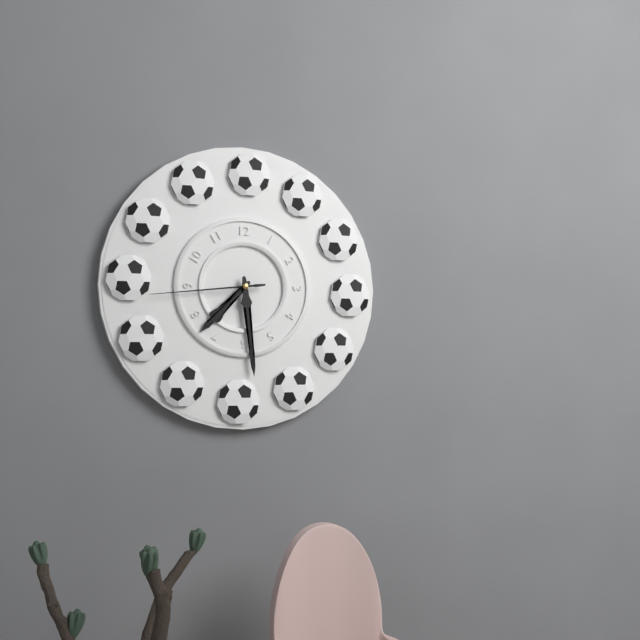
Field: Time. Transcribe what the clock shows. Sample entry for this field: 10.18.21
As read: 7.29.44
